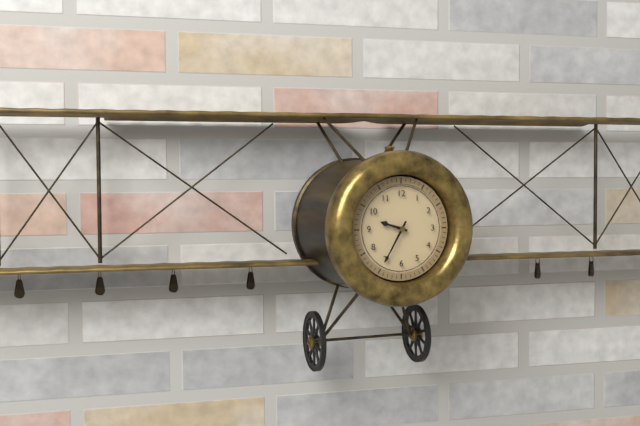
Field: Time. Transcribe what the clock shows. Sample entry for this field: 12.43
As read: 9.35
